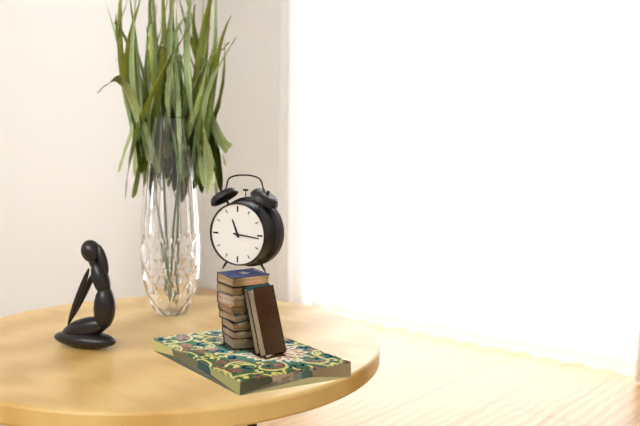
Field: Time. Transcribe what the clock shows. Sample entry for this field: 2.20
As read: 11.16
